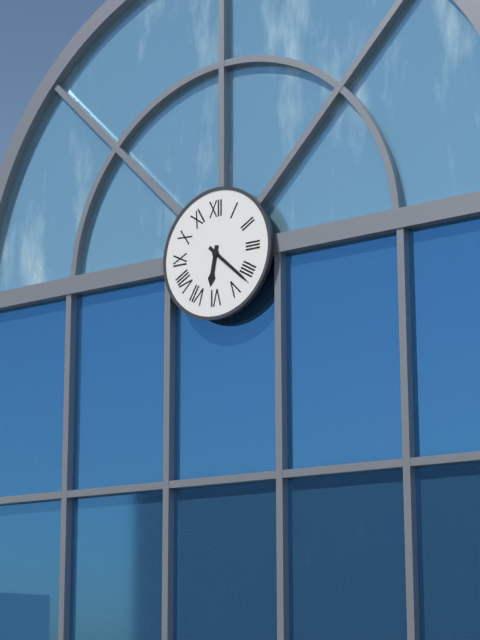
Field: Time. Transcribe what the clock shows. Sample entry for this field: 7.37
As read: 6.22
